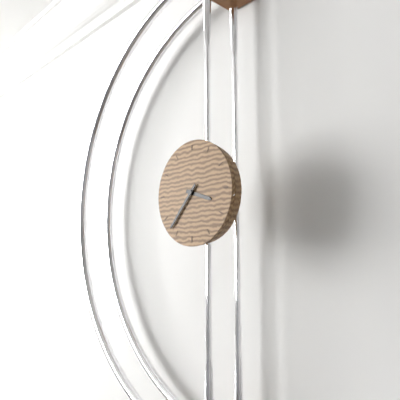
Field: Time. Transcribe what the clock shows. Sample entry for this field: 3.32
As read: 3.37
